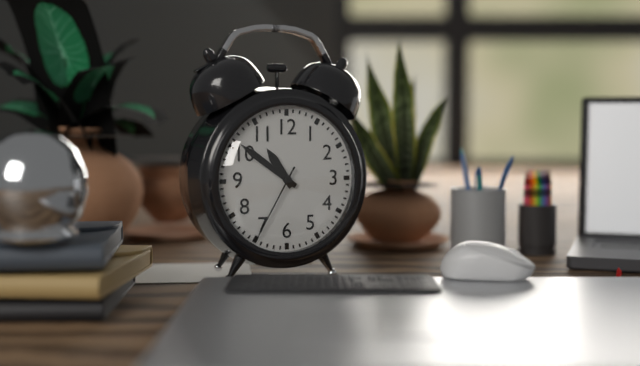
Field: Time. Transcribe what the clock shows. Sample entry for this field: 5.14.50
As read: 10.51.35
